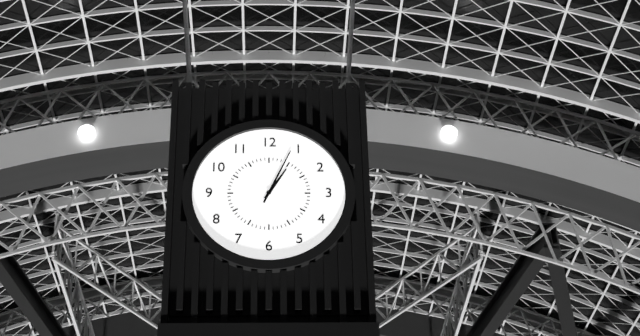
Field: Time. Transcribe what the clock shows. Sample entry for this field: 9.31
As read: 1.04
